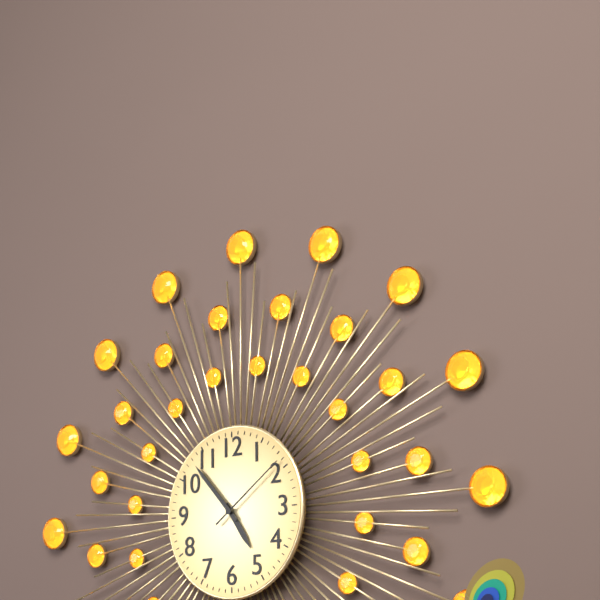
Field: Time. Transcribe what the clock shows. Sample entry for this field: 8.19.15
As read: 4.53.09
